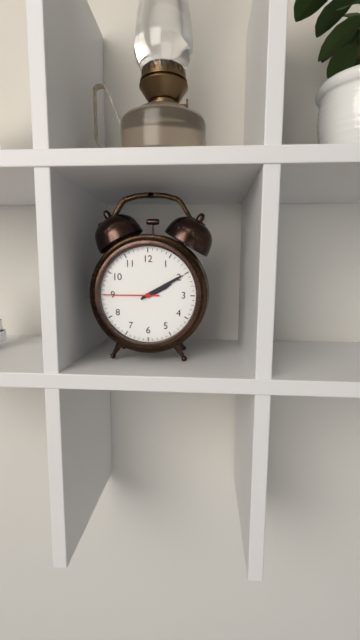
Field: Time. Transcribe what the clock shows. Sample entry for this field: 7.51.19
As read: 2.10.45
